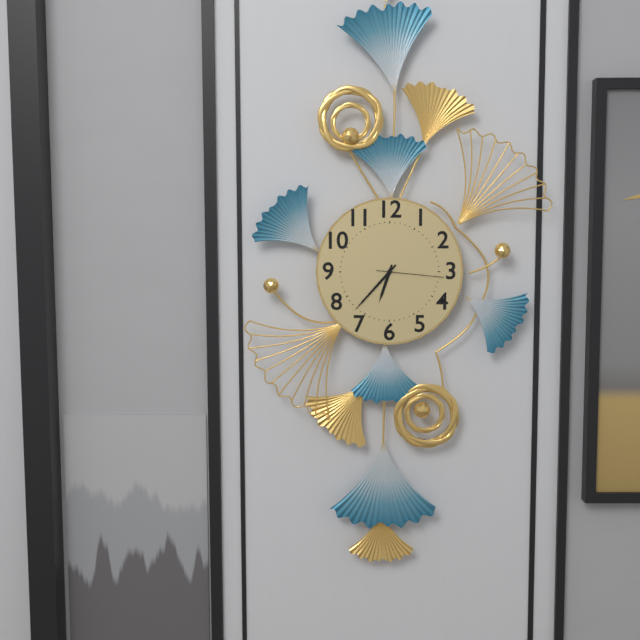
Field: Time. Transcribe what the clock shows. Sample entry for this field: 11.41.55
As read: 6.37.16
